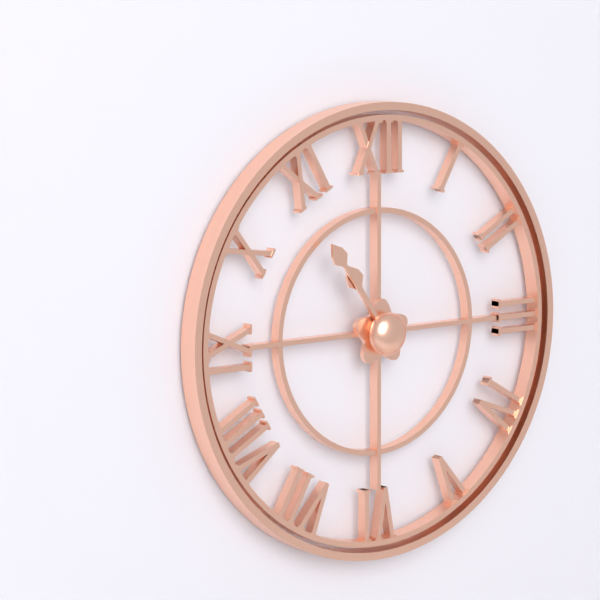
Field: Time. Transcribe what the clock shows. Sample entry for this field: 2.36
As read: 10.54
